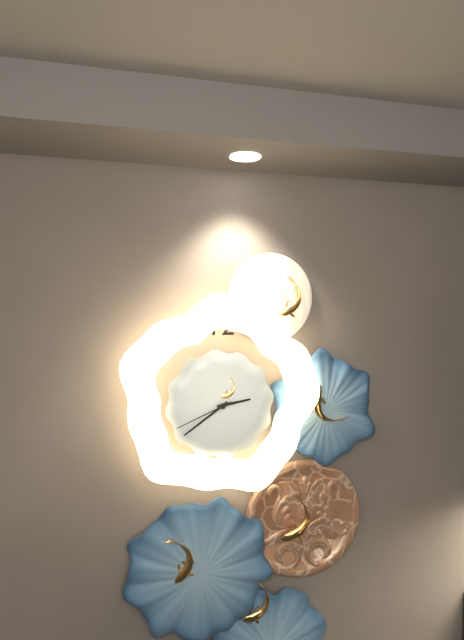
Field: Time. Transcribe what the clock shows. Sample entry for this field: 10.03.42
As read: 2.39.41
